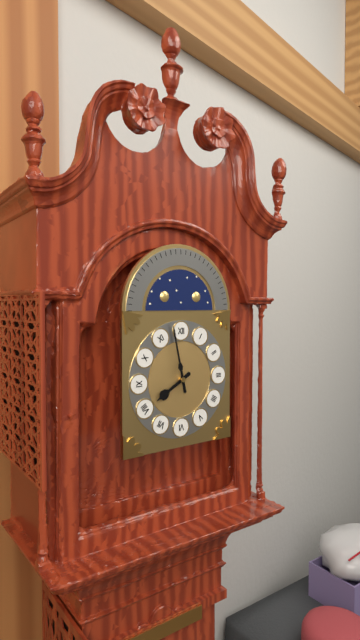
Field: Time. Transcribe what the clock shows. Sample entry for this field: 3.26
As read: 7.58
